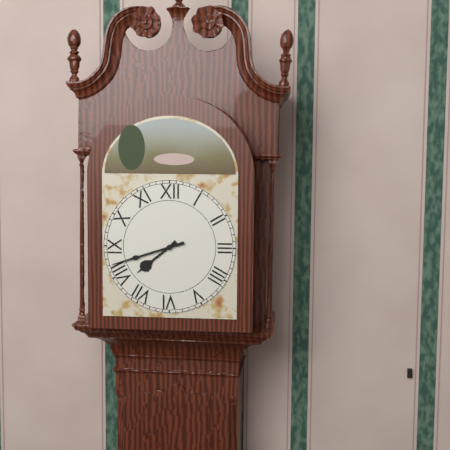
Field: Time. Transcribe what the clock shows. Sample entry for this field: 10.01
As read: 7.42
